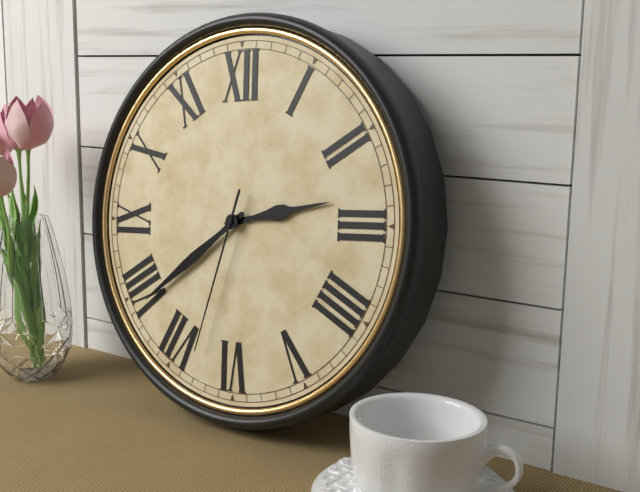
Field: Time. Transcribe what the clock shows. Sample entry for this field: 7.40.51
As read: 2.39.33
